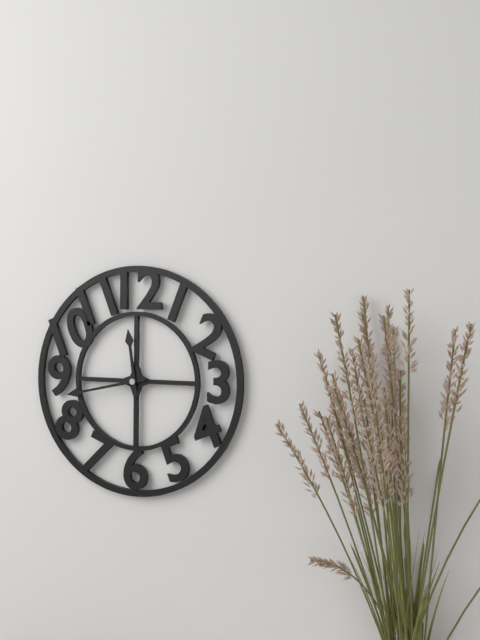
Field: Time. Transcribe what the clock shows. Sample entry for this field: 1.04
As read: 11.43
